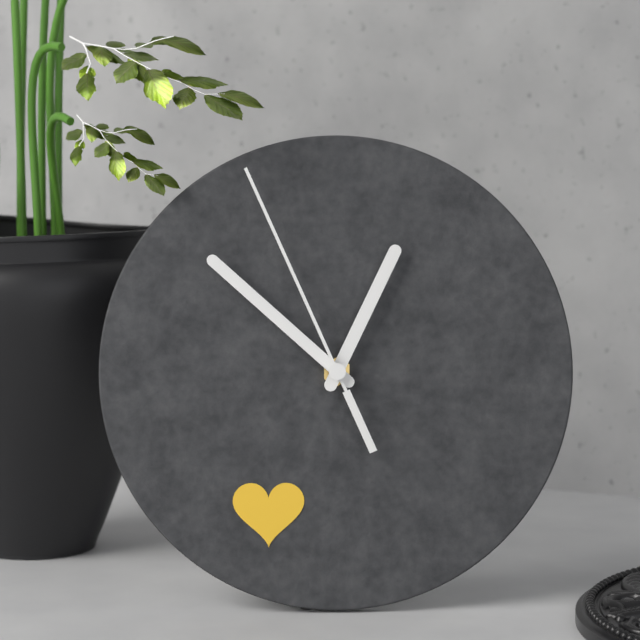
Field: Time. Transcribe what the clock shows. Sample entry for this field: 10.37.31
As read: 12.52.56
